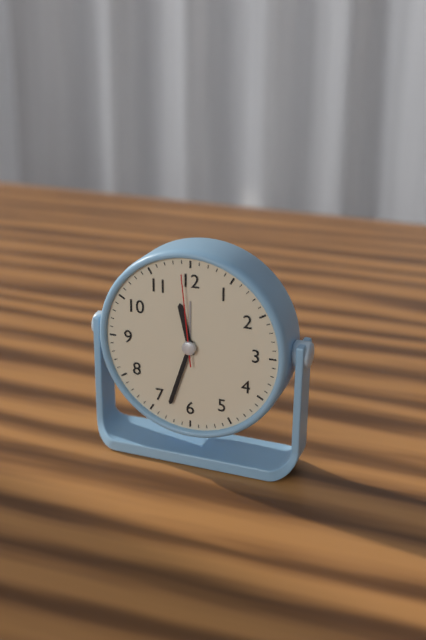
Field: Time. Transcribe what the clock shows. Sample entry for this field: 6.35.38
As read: 11.33.59
